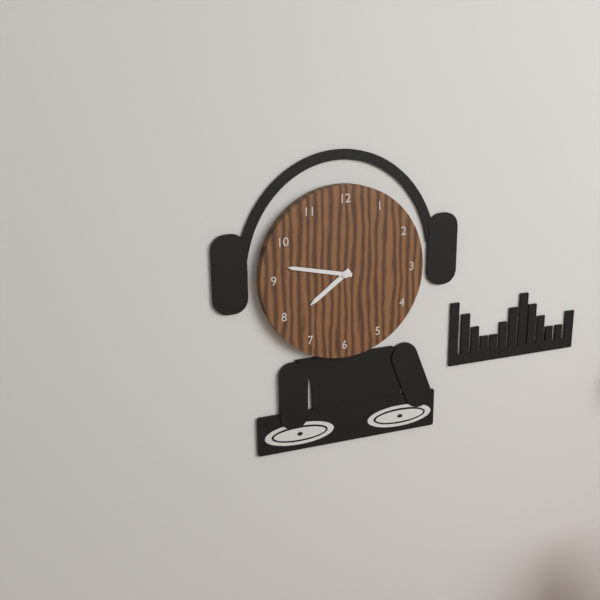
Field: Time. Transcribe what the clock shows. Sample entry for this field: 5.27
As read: 7.47
